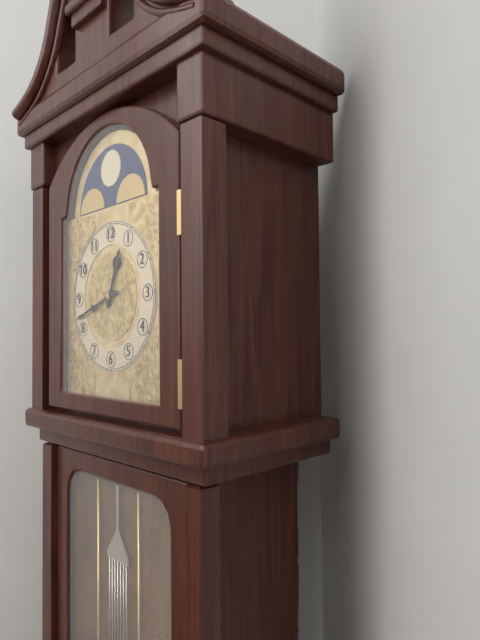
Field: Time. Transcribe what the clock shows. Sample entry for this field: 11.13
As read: 12.42
